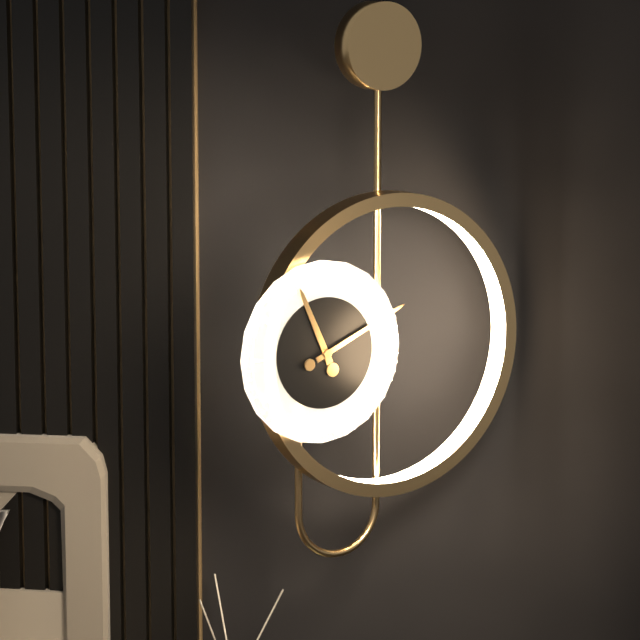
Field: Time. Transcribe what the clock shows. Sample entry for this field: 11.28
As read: 11.11
